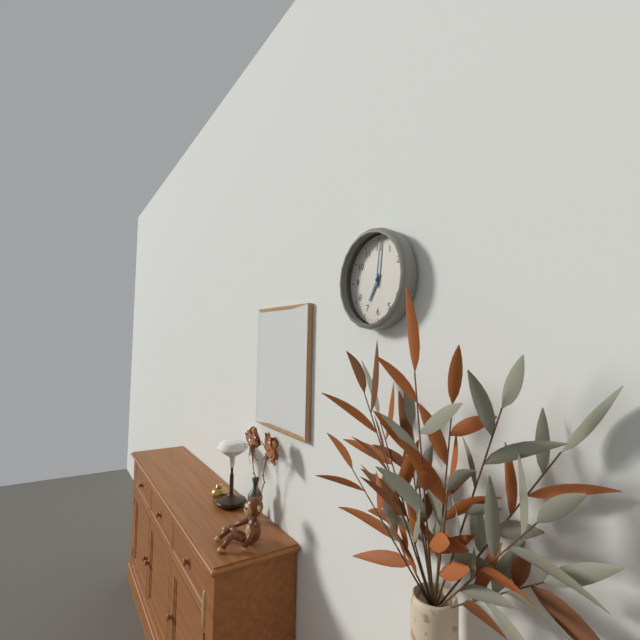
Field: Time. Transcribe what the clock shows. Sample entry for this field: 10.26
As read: 7.01
